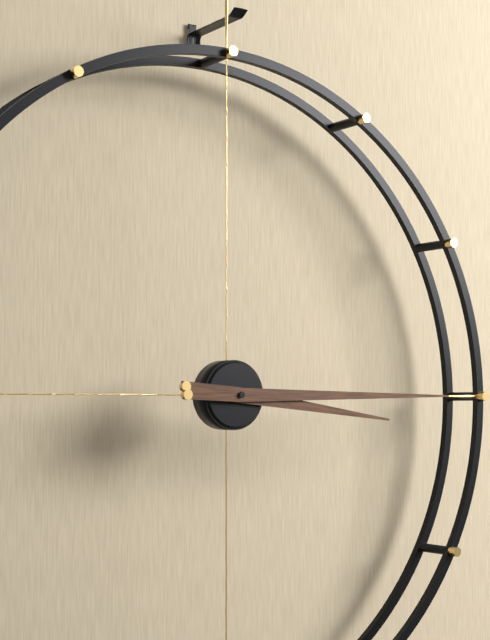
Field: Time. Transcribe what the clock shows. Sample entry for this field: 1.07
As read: 3.15
